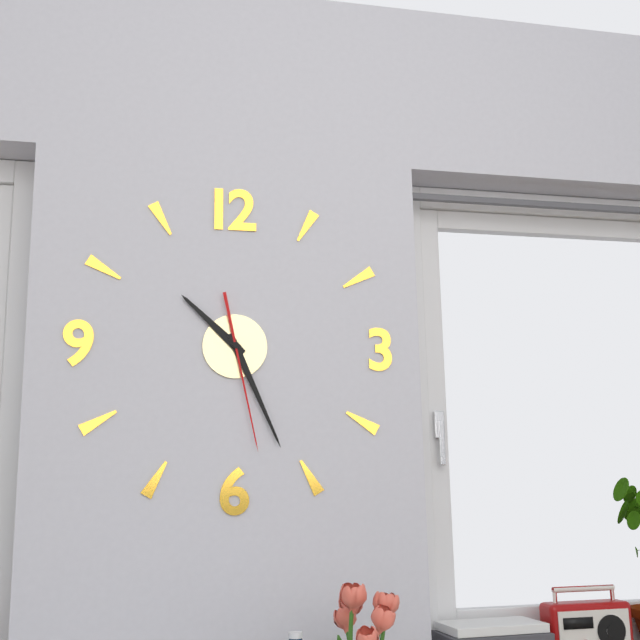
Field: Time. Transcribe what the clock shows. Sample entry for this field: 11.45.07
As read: 10.26.28
